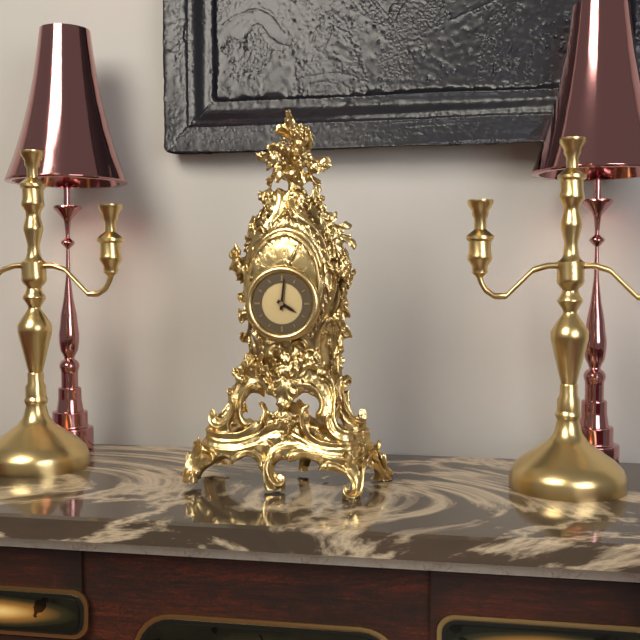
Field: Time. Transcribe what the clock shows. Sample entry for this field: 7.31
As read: 4.01
